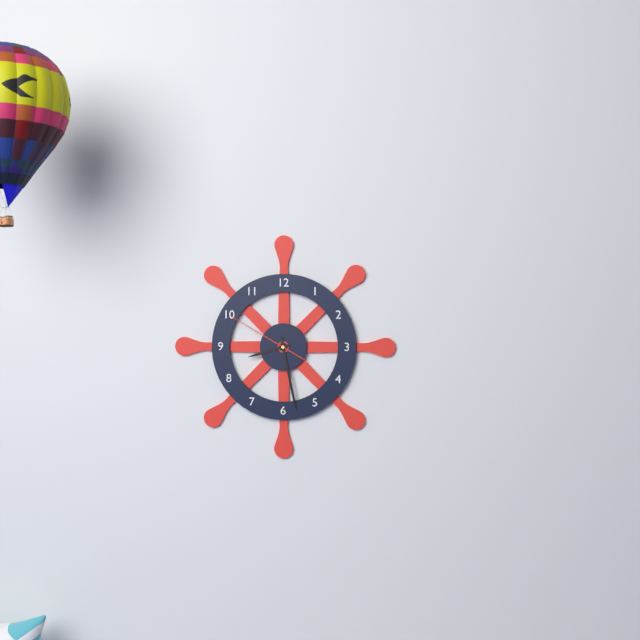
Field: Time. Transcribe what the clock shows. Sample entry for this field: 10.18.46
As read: 8.28.50
